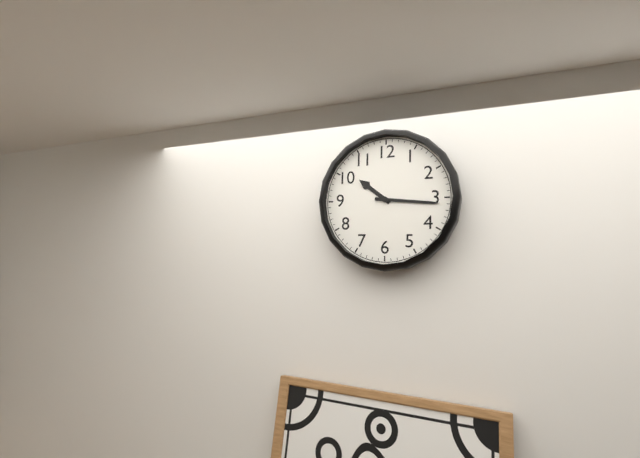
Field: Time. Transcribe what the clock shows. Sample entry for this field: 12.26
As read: 10.16
